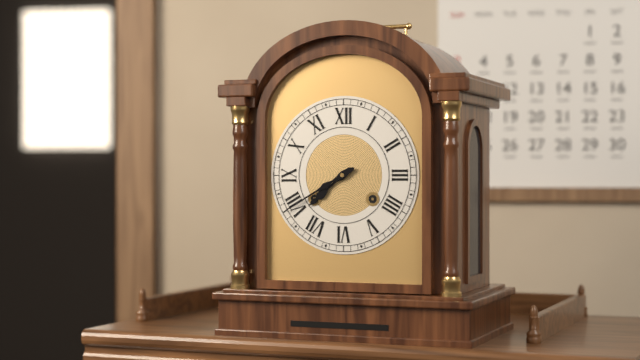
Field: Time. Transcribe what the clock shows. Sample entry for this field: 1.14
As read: 7.40
